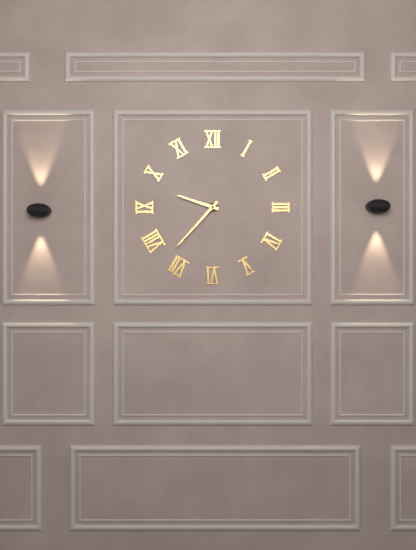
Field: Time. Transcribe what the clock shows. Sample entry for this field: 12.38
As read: 9.37
